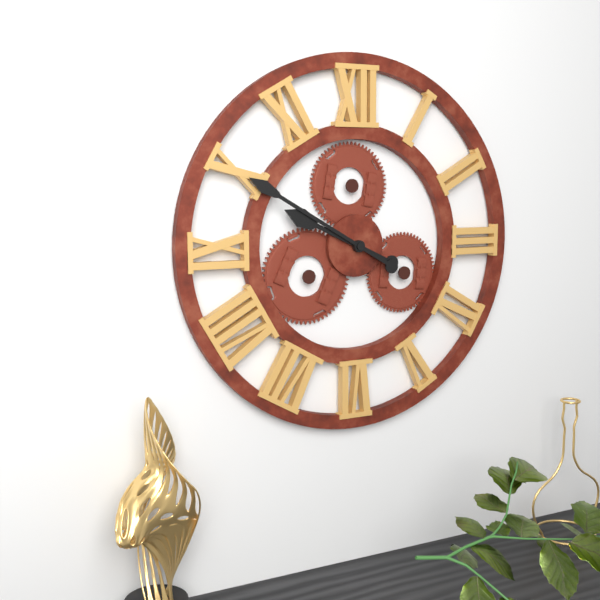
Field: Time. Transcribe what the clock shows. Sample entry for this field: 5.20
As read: 9.50
